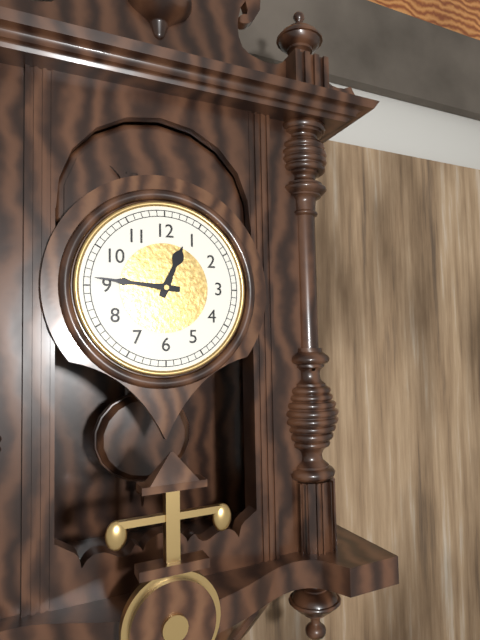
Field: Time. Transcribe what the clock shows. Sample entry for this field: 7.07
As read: 12.46
